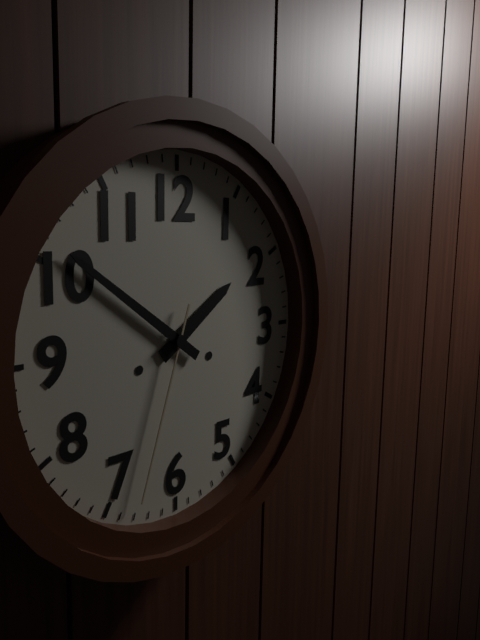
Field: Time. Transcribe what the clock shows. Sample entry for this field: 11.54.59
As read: 1.51.33
